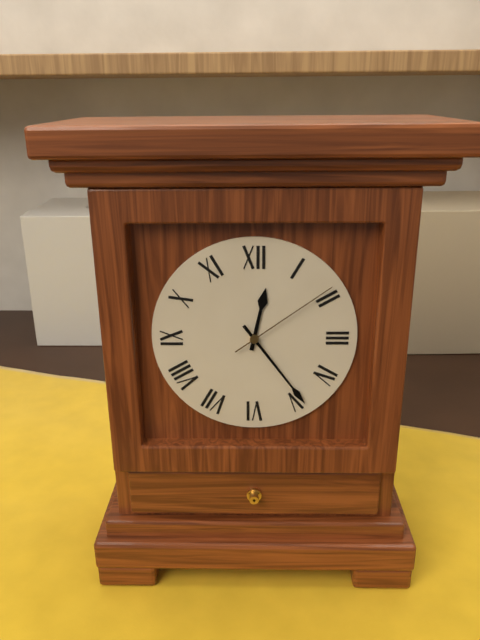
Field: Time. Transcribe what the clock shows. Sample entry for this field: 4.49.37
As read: 12.24.09
